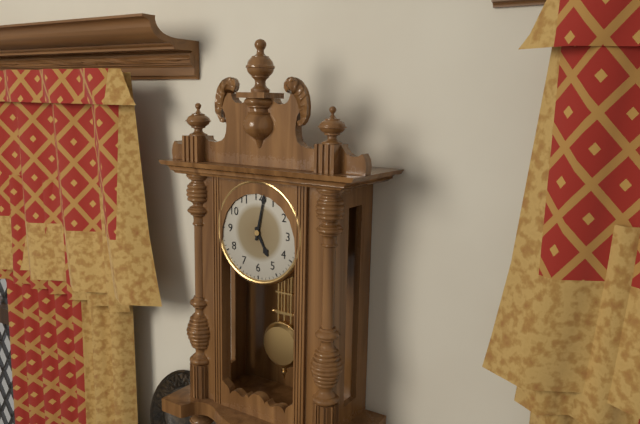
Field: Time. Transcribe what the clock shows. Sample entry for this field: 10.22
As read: 5.02
